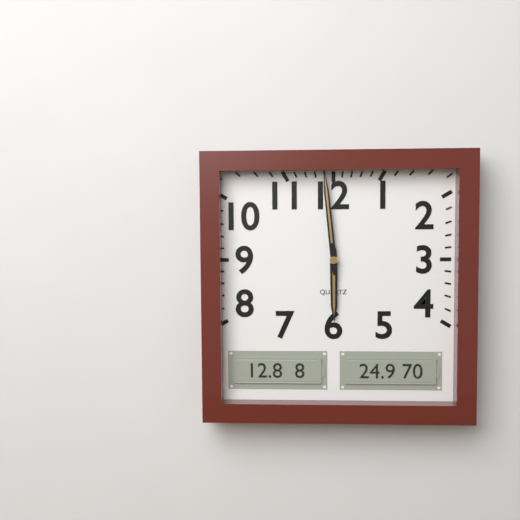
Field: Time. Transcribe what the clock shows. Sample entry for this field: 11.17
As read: 5.59
